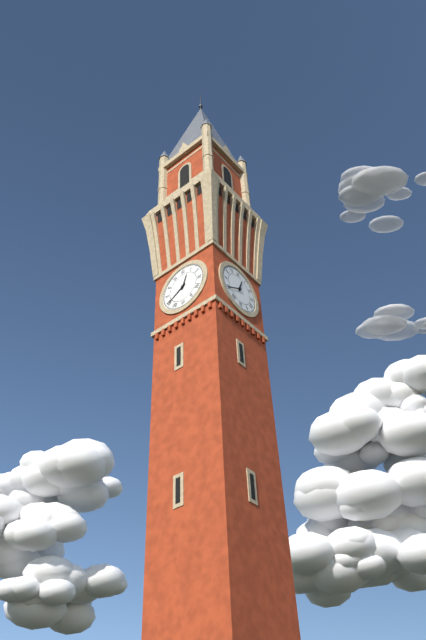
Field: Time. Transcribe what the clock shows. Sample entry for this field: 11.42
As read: 12.40
